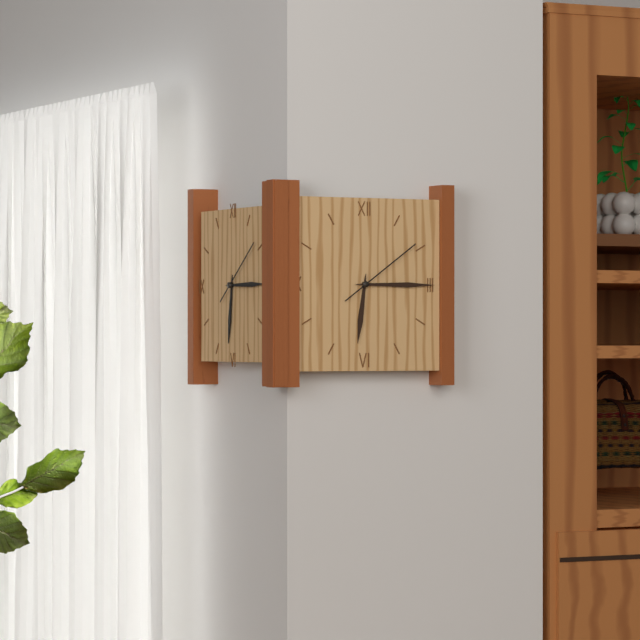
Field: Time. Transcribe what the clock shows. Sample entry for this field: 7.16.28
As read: 6.15.09
